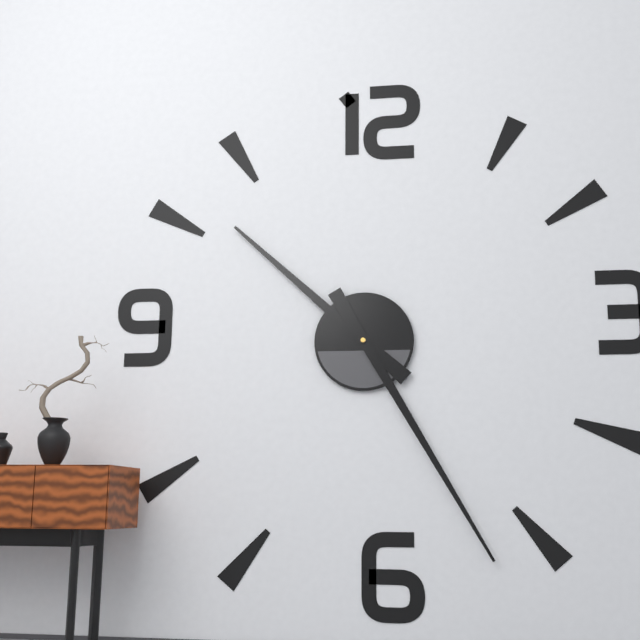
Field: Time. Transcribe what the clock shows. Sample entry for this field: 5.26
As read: 10.25
